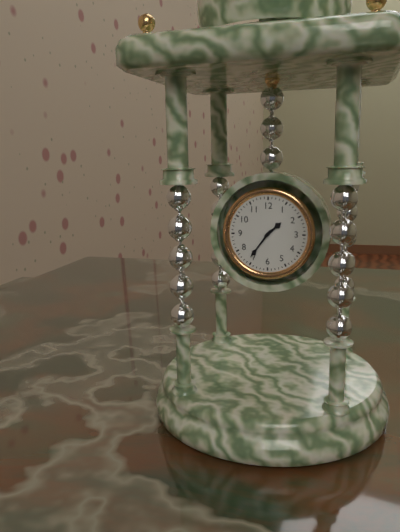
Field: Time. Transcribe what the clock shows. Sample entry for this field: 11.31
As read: 1.36
